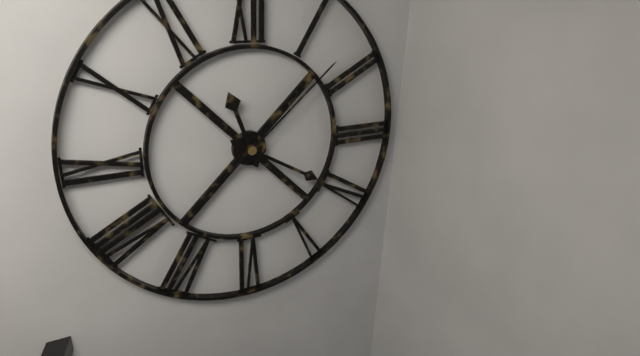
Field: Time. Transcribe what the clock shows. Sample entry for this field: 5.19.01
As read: 11.20.08
